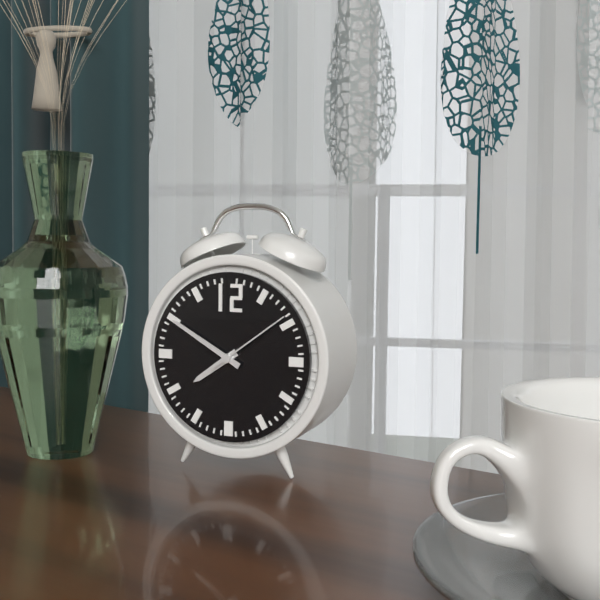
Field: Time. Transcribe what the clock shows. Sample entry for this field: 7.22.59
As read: 7.50.09
